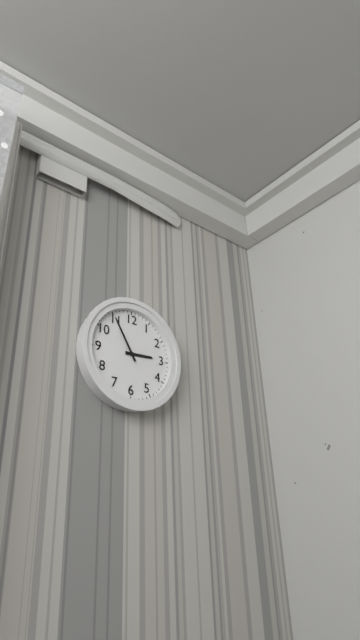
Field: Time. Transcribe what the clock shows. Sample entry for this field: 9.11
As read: 2.55
